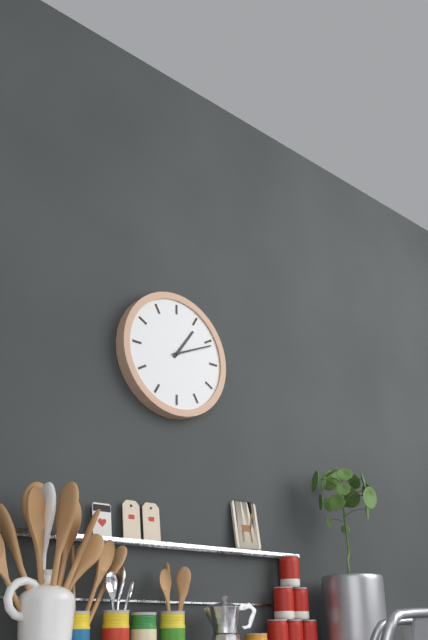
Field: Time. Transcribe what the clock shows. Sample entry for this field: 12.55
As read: 1.11
